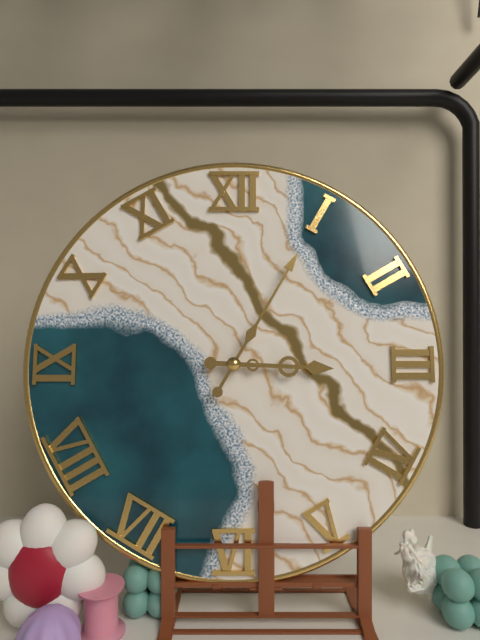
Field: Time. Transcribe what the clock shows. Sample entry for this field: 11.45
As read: 3.05
